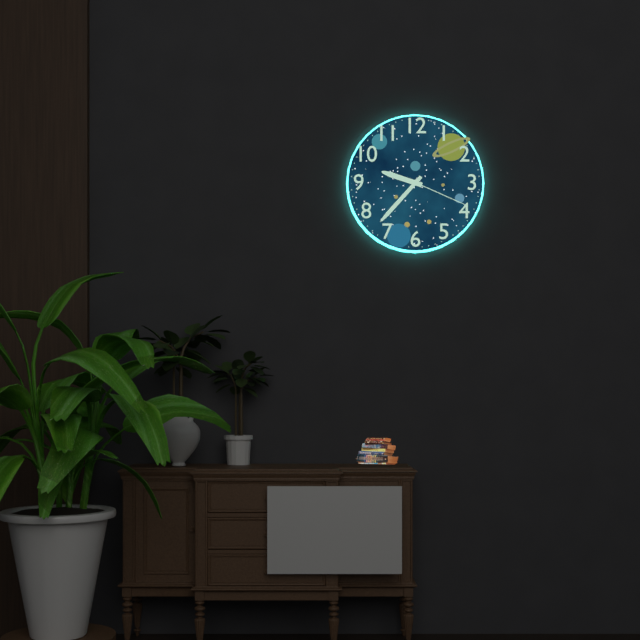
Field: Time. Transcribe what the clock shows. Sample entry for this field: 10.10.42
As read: 9.37.19
